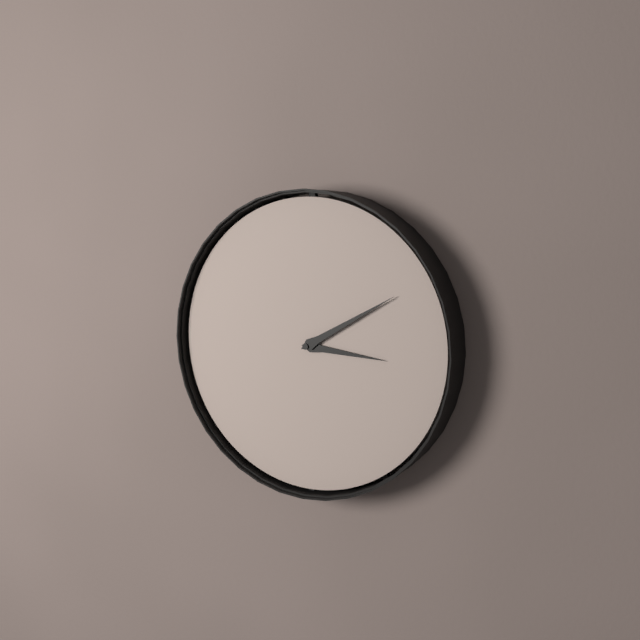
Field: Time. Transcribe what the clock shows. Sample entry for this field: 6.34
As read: 3.10
